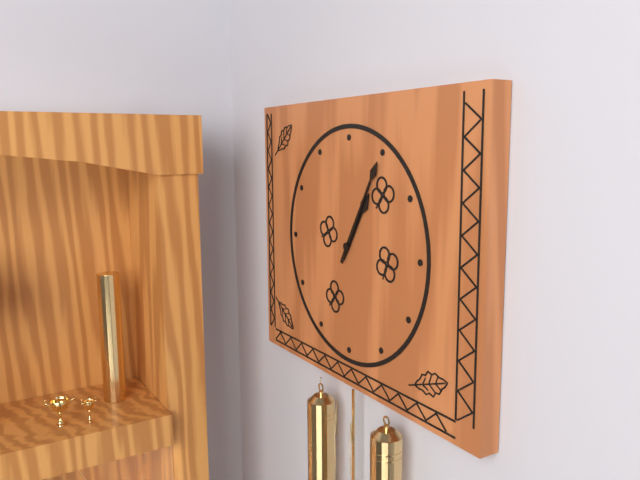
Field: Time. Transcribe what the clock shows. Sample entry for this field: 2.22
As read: 1.05
